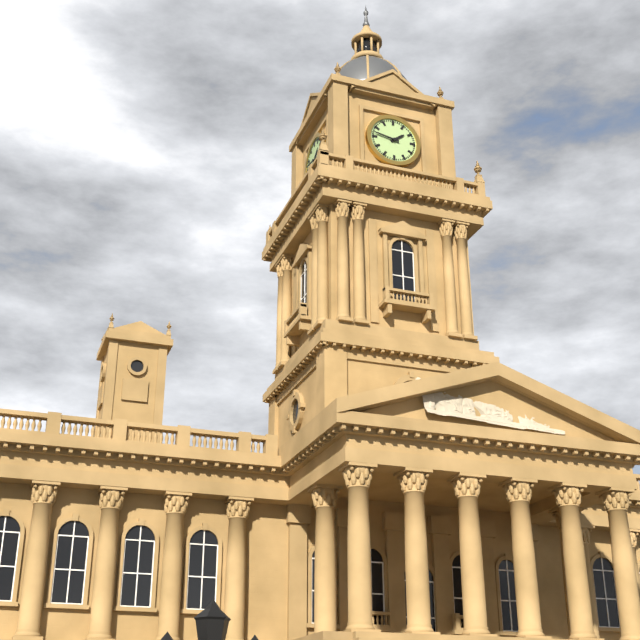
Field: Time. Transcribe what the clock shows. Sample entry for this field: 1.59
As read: 1.47
